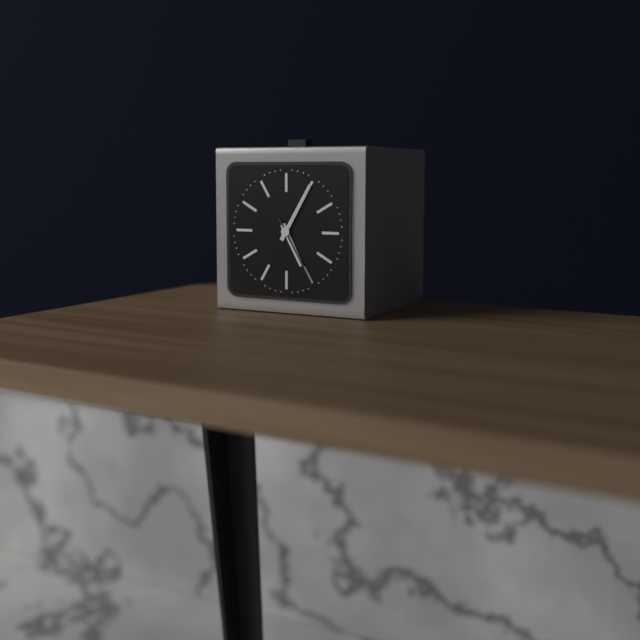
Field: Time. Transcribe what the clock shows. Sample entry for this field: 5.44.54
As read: 5.05.25
